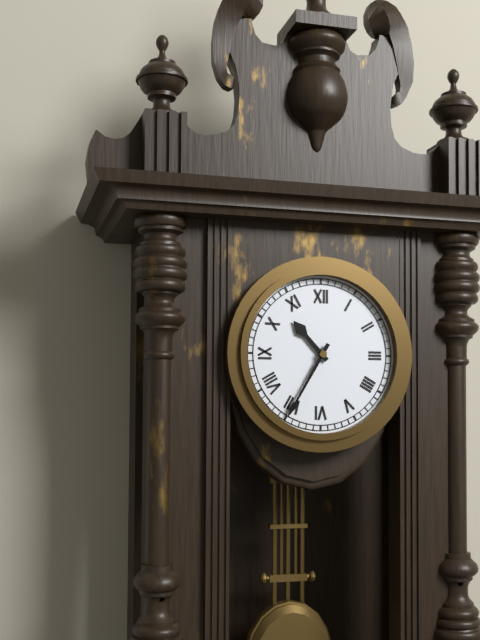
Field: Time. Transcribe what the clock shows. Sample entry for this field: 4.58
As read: 10.35
